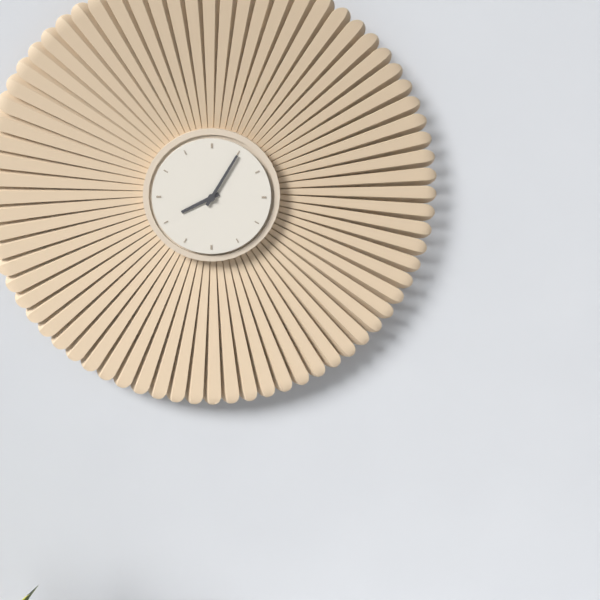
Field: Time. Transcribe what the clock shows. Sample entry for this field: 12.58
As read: 8.05
